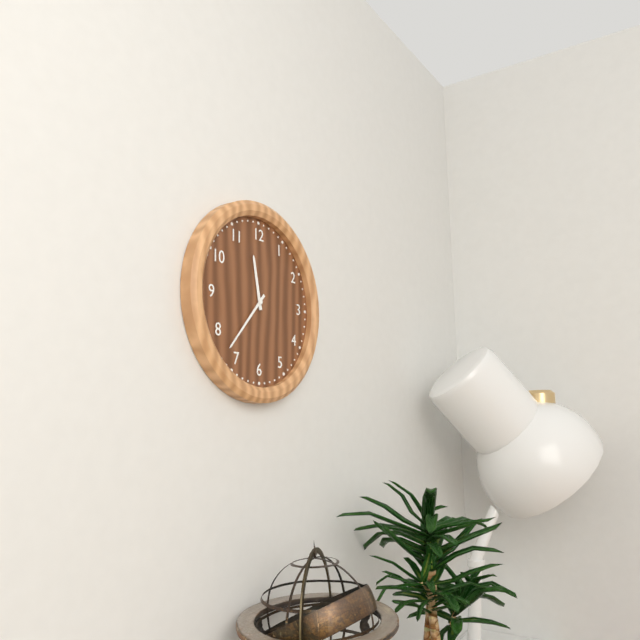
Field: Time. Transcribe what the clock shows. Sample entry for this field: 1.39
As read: 11.37
